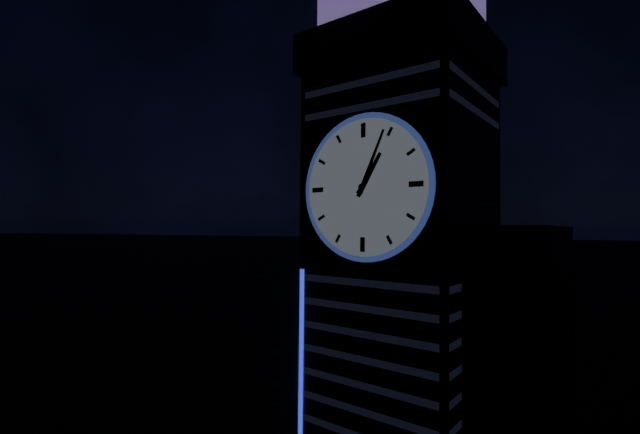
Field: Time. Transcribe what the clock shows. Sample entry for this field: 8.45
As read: 1.04
